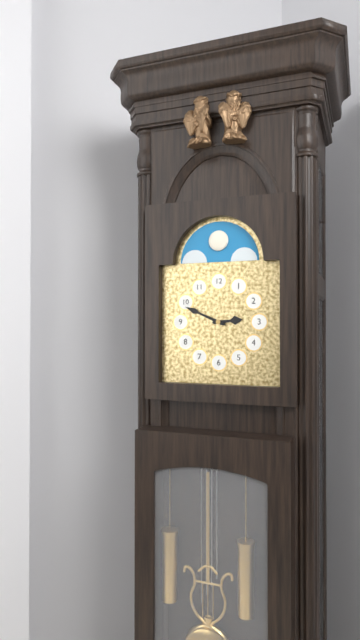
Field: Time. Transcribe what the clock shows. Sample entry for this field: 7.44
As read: 2.49
